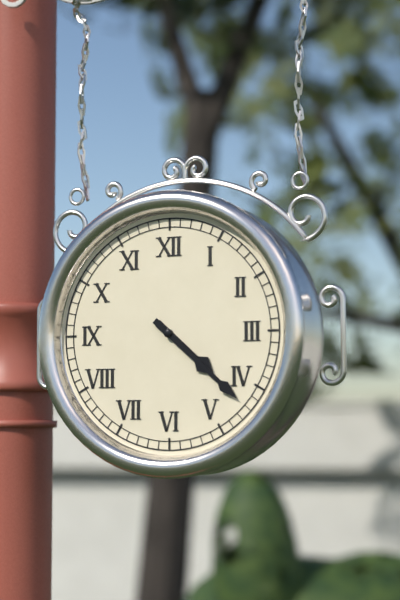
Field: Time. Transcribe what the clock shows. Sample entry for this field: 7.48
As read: 4.22
